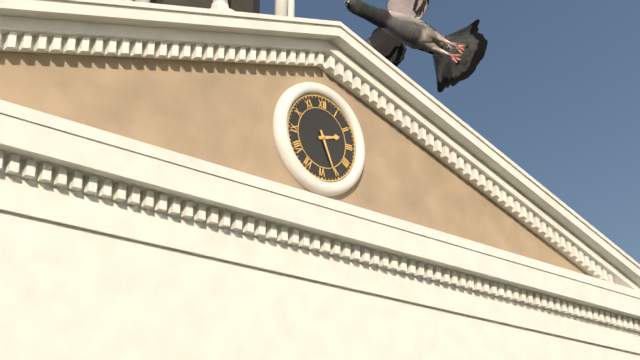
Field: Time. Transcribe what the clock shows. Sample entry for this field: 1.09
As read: 2.26
